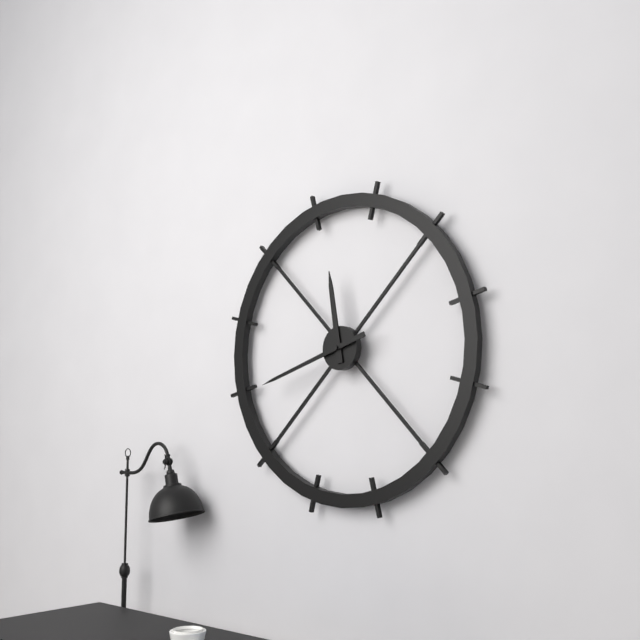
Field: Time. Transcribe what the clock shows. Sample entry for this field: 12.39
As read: 11.42
